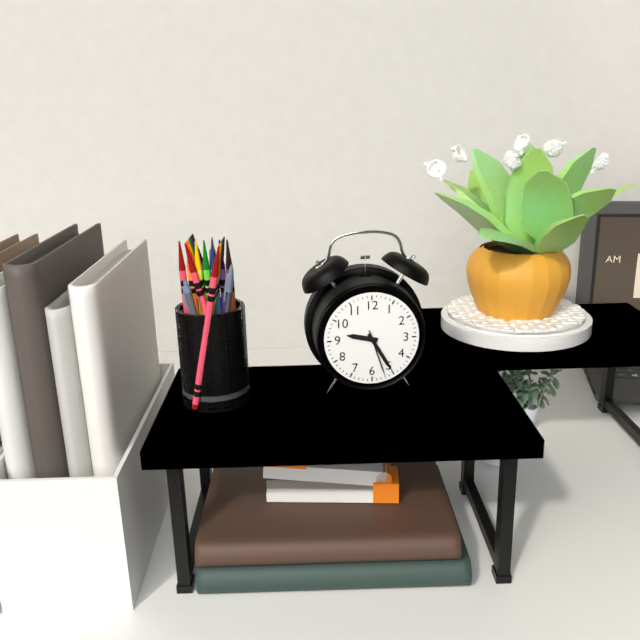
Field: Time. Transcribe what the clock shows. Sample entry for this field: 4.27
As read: 9.25
